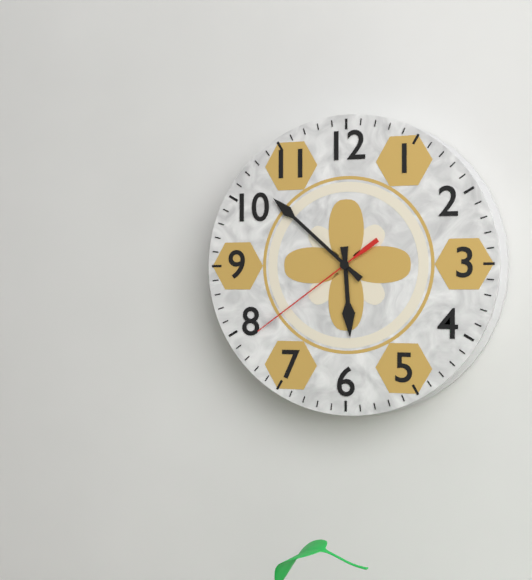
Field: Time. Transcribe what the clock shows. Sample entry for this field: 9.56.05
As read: 5.52.39
